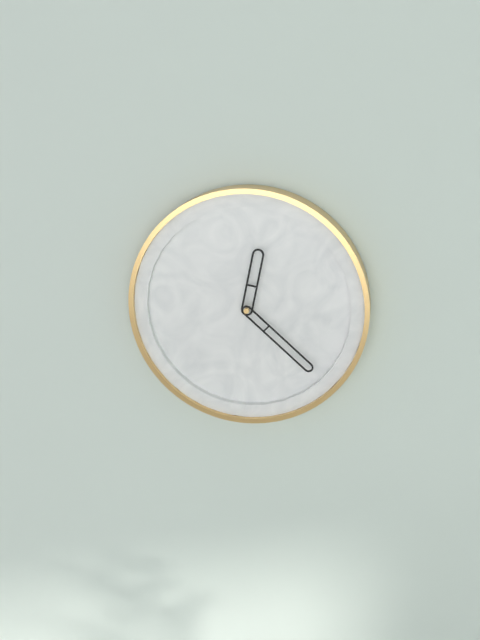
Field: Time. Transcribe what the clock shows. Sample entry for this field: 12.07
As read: 12.22
